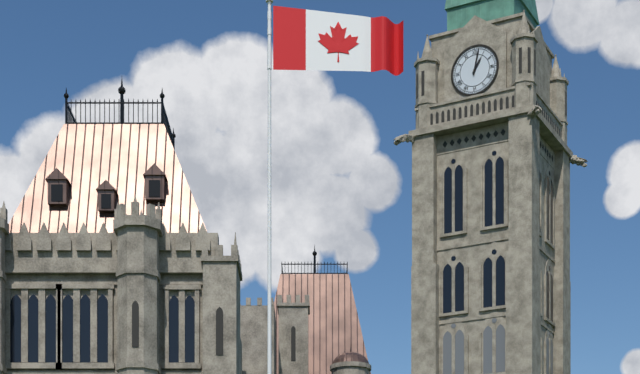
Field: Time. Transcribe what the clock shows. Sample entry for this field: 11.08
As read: 1.02
